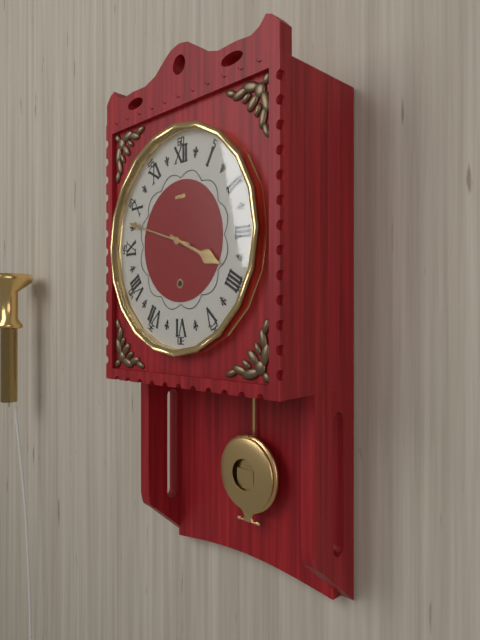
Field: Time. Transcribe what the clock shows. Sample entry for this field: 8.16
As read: 3.48
